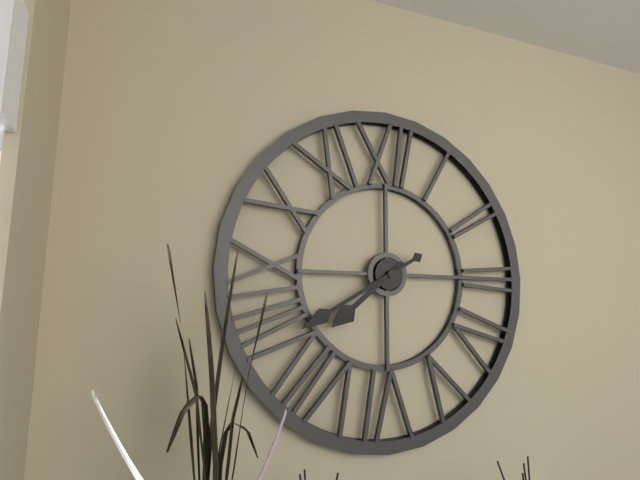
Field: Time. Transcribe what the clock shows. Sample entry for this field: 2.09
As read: 7.40
